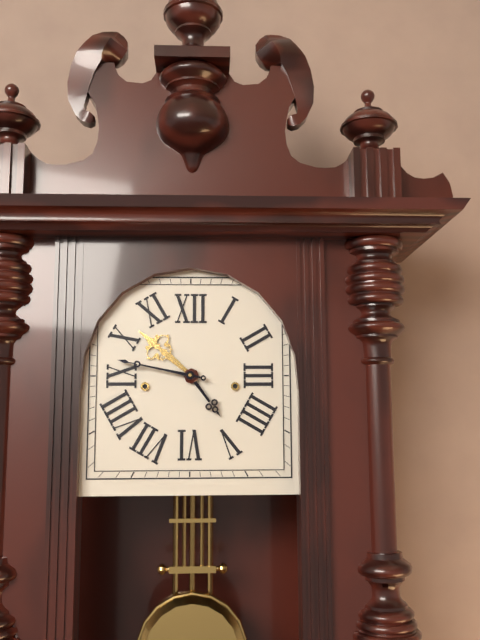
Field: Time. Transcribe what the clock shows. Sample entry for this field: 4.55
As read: 4.47
